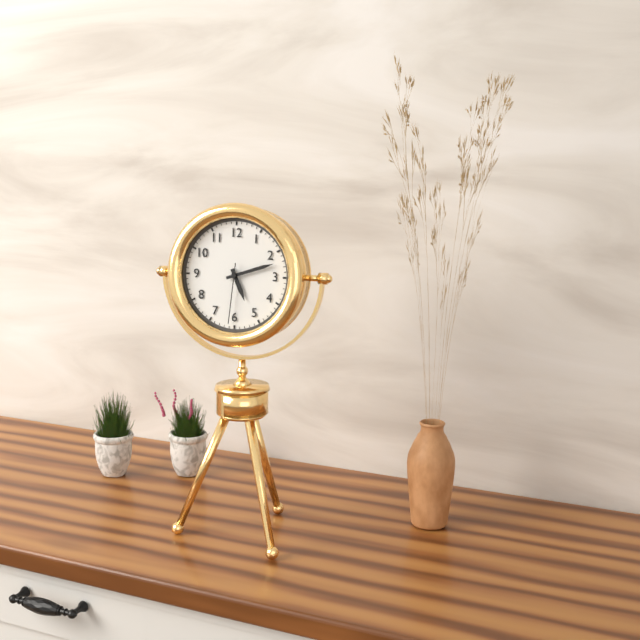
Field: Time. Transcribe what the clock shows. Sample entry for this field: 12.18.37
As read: 5.12.31
